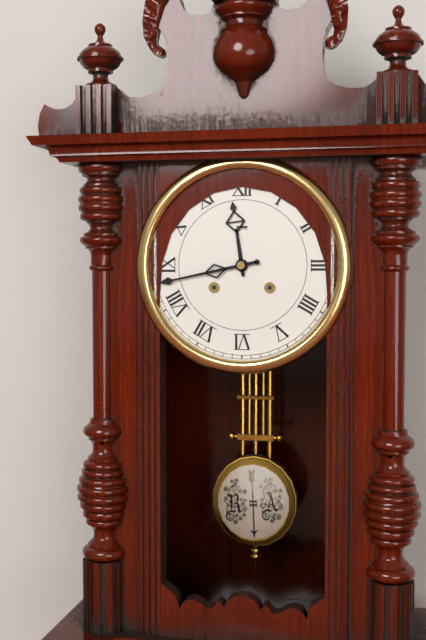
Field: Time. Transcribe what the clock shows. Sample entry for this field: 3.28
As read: 11.43
